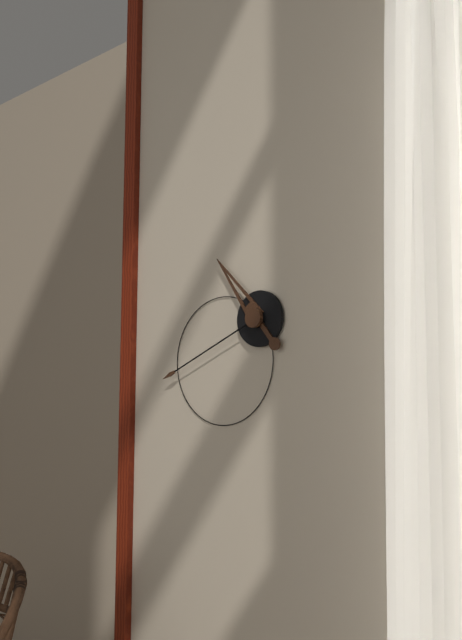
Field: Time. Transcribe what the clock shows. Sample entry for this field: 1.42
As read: 10.41
